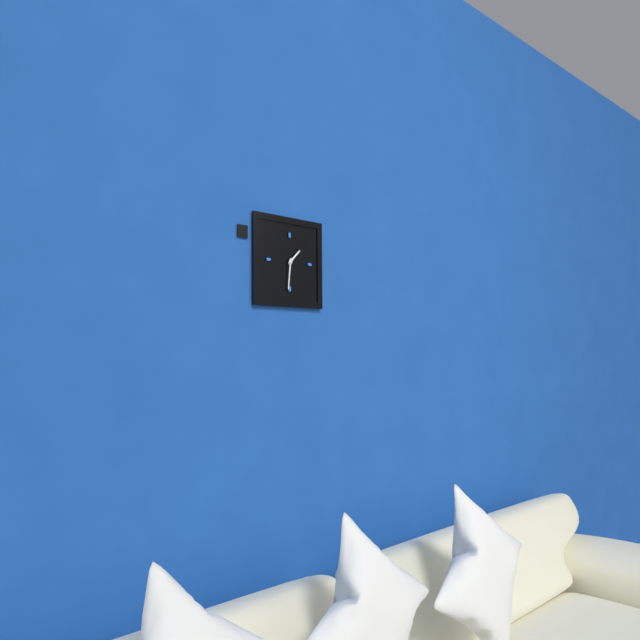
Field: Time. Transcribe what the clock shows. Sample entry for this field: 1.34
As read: 1.31
